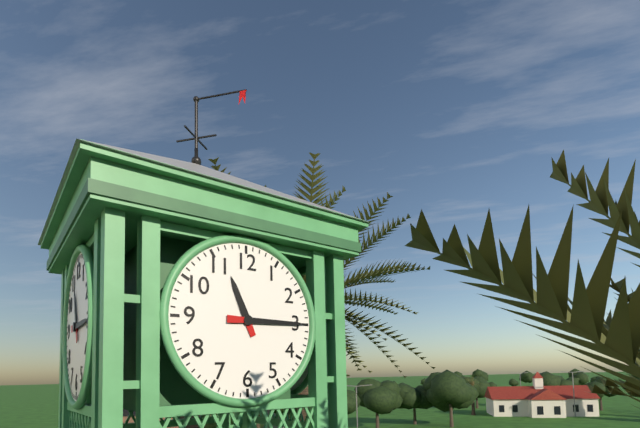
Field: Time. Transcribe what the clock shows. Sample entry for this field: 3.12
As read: 11.15
